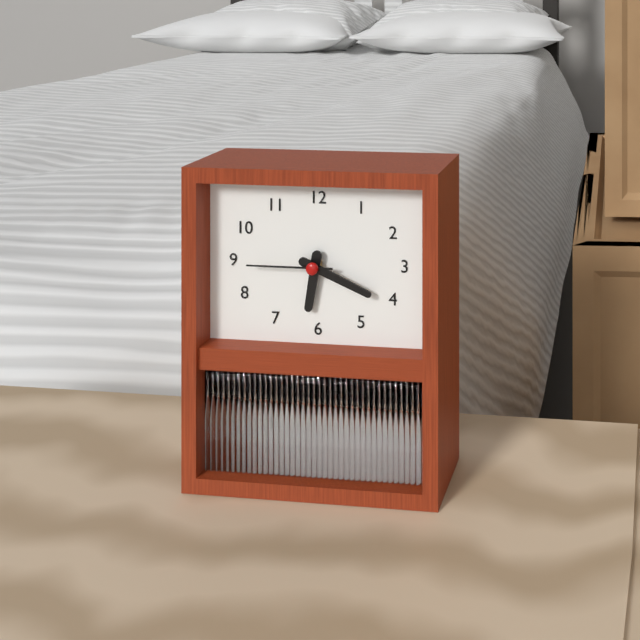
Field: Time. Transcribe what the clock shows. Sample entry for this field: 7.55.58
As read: 6.19.45
